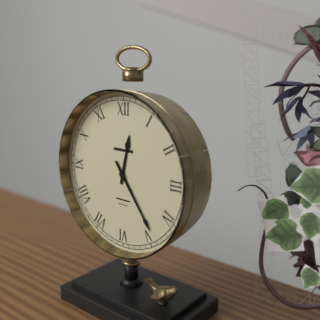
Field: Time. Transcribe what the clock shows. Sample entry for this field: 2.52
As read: 12.24
